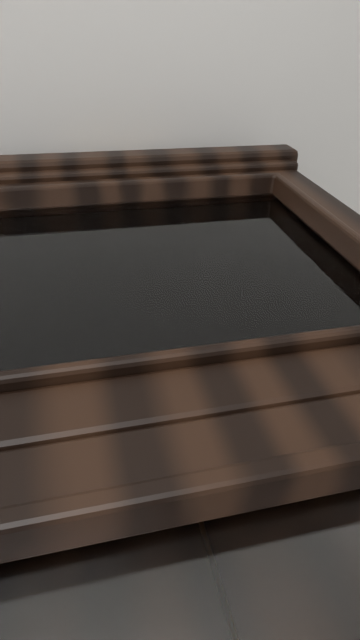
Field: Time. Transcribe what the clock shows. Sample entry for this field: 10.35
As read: 3.13
